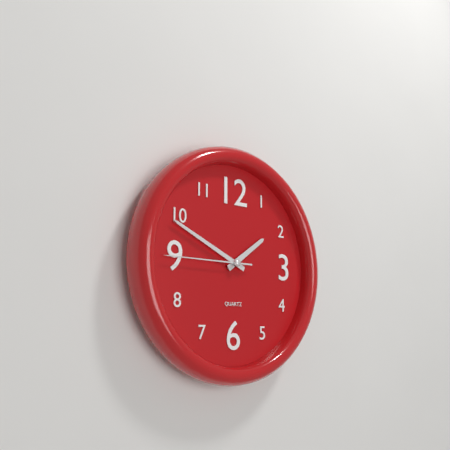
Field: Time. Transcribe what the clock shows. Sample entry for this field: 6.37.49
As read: 1.49.45
